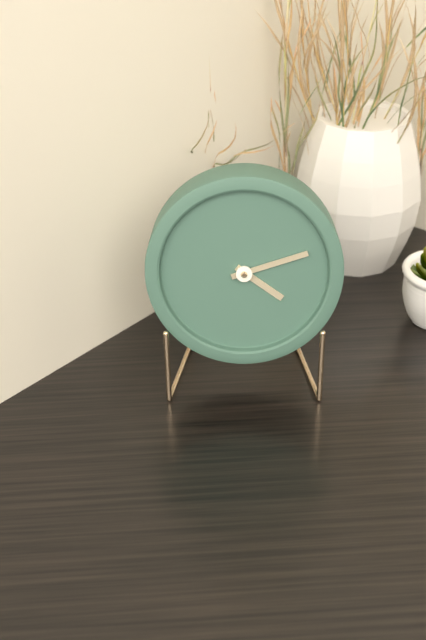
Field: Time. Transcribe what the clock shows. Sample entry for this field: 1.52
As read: 4.12
